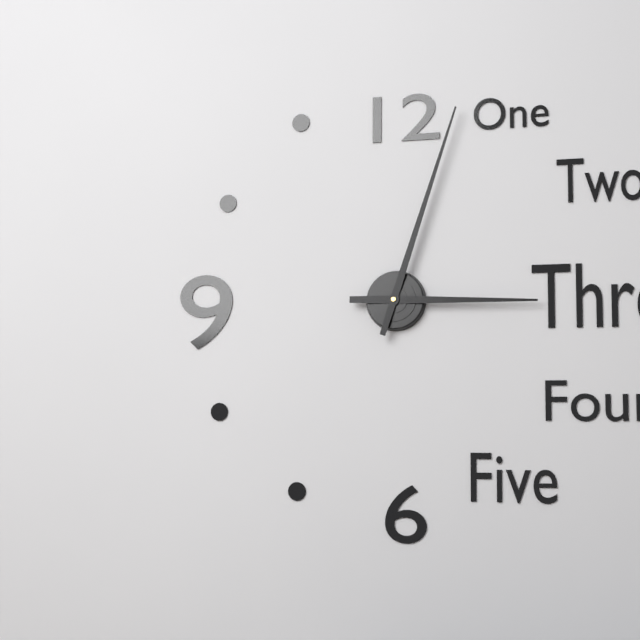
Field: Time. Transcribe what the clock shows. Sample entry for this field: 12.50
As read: 3.03
